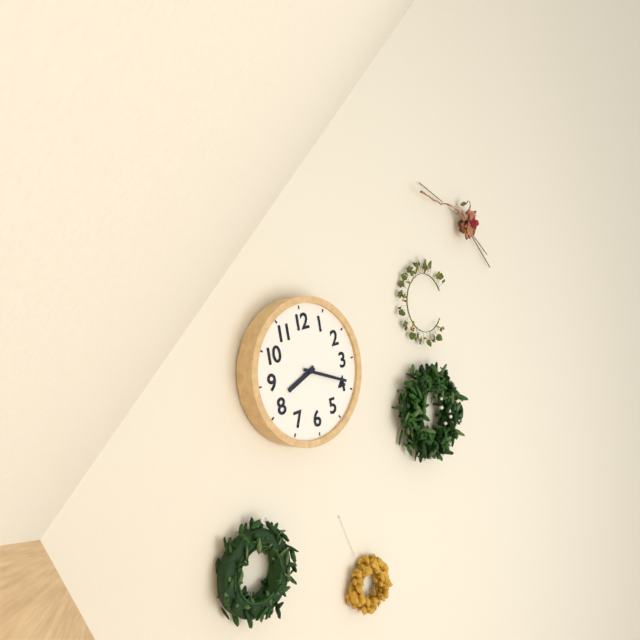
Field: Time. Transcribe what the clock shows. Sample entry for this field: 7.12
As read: 8.19
